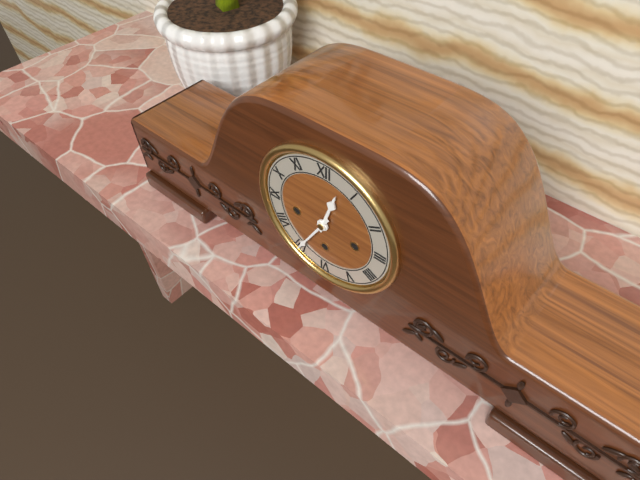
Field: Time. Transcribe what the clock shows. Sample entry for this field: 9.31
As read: 12.35
